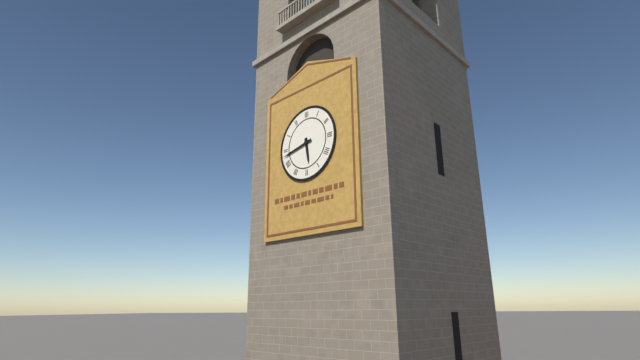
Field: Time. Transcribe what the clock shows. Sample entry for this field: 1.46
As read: 5.43
